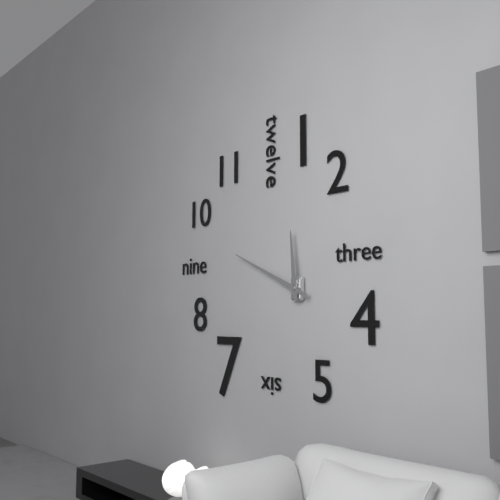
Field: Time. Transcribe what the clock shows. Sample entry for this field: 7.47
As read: 11.49
